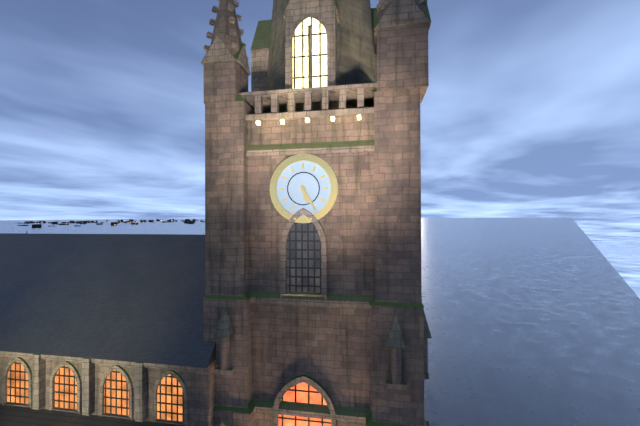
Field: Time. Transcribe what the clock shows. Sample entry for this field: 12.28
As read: 5.25
